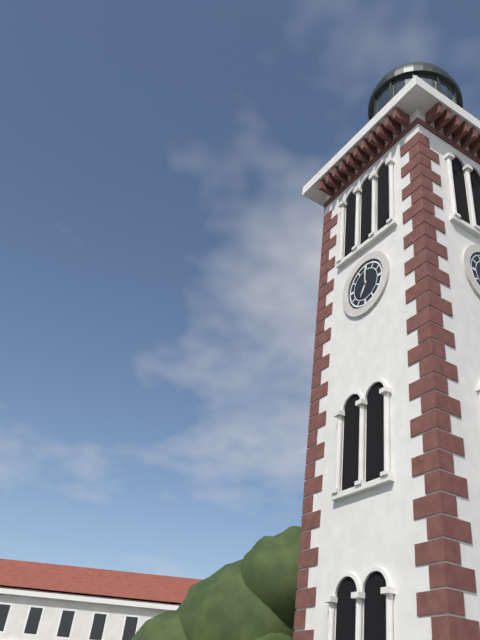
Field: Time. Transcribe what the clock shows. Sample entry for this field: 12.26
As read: 7.00
